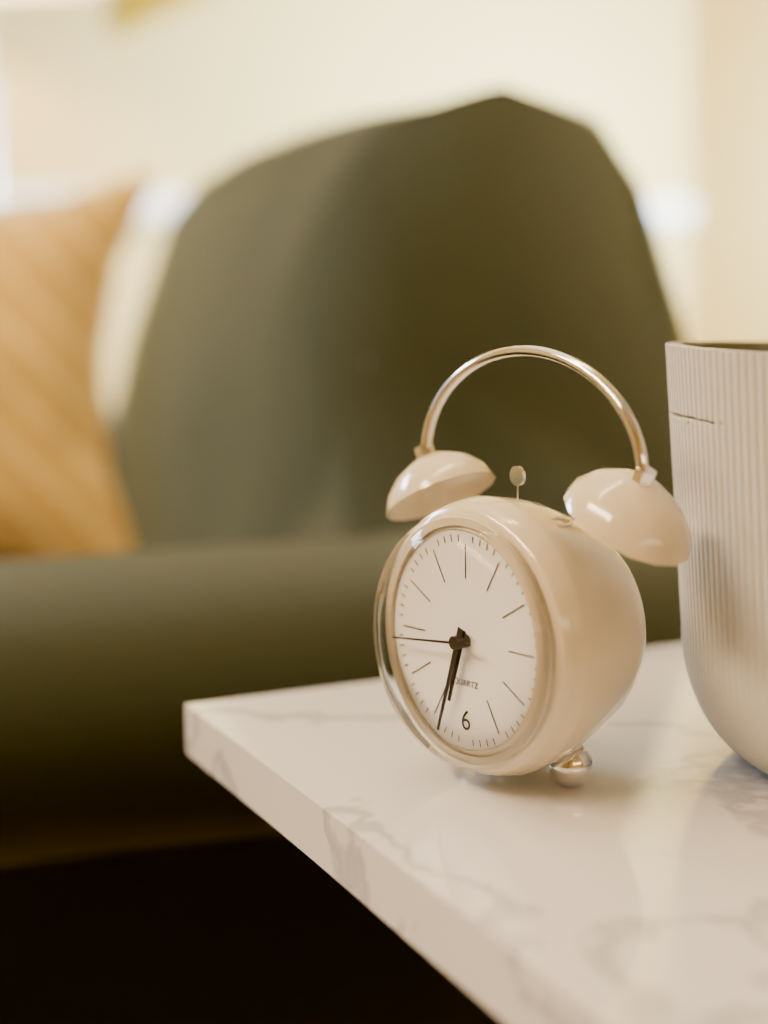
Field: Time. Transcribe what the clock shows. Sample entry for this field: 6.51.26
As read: 6.33.44
